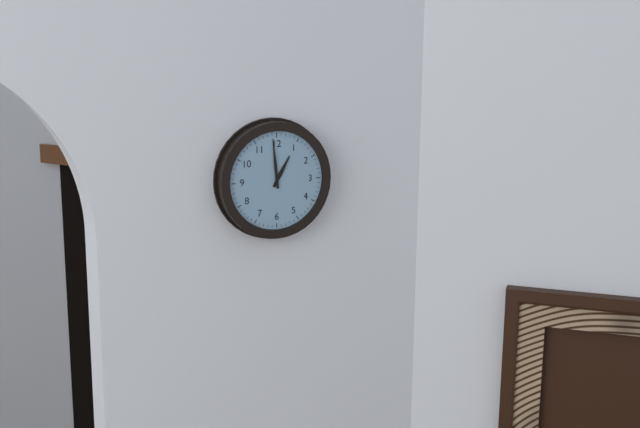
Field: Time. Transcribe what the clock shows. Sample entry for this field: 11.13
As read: 12.59
